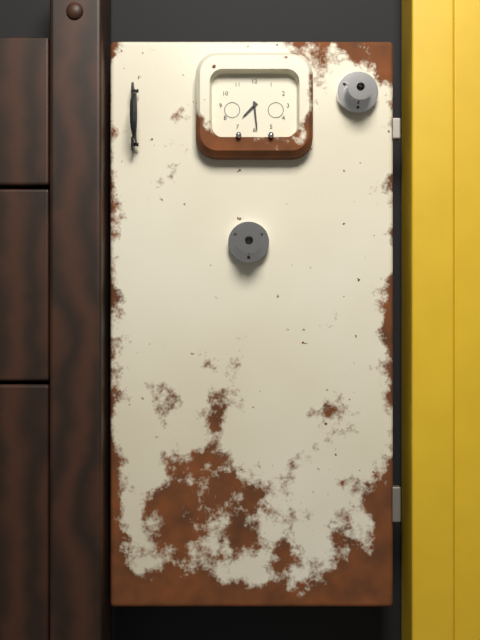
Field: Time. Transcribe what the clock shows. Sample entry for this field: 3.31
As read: 7.29
